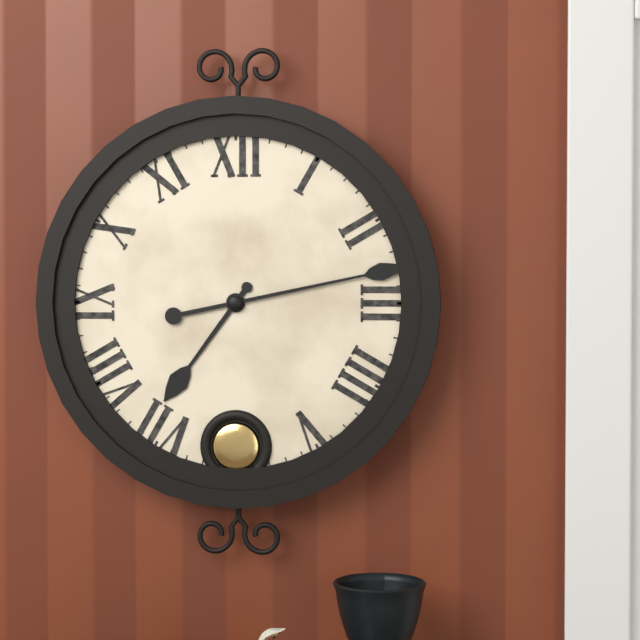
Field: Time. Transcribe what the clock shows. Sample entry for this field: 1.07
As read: 7.13
